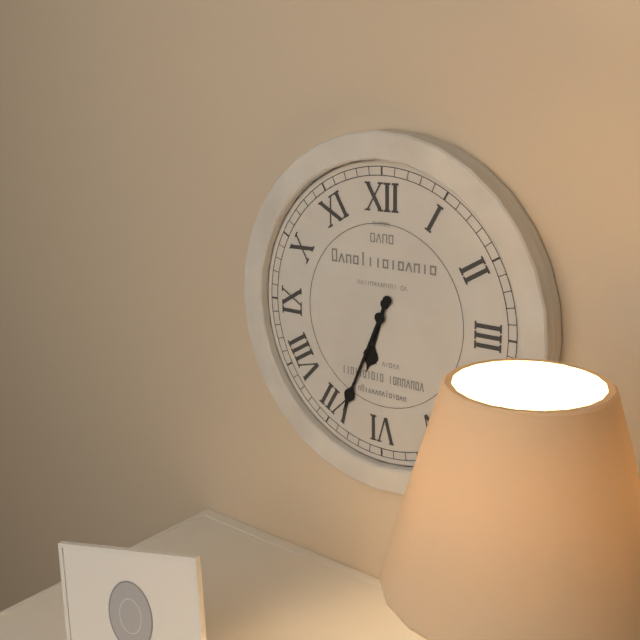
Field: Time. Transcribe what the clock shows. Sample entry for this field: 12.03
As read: 6.34
